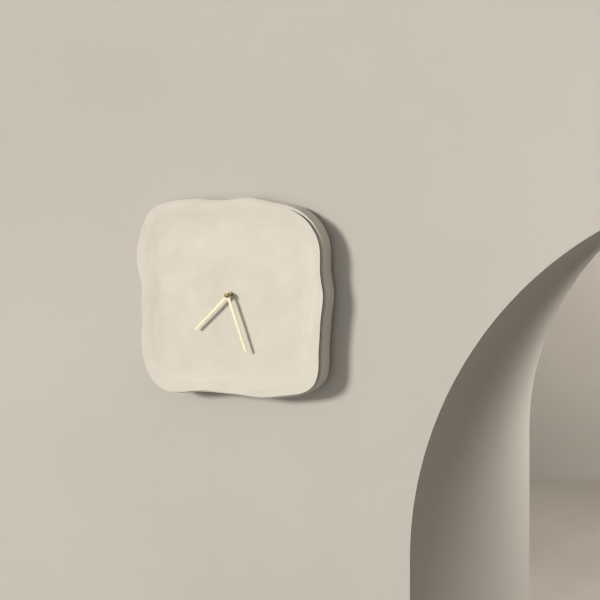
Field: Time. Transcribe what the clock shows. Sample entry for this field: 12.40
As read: 7.27
